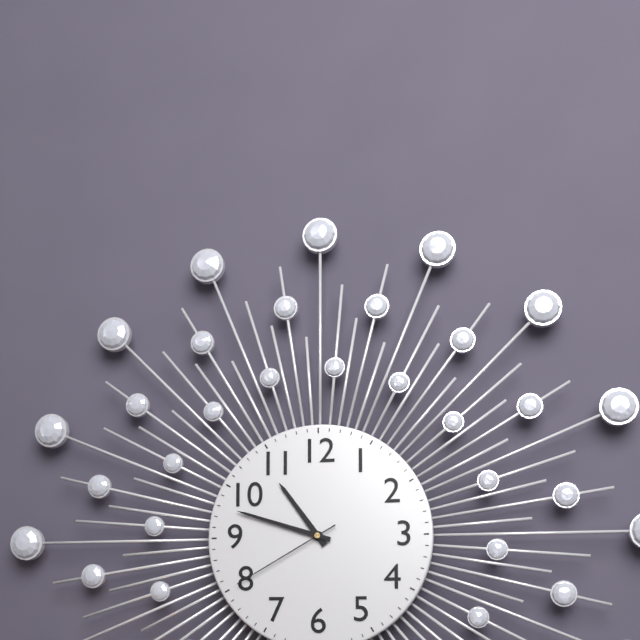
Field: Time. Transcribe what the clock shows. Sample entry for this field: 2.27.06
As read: 10.48.40
